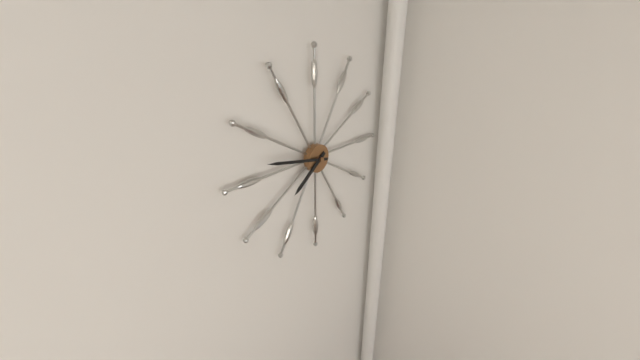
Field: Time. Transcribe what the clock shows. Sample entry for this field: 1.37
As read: 7.47
